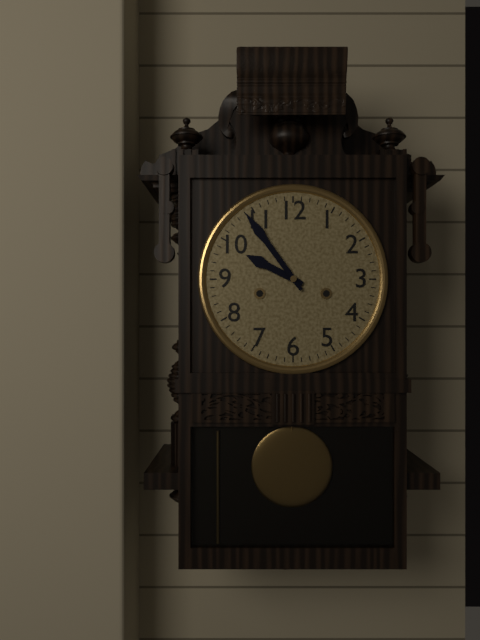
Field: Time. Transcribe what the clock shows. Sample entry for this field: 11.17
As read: 9.54
